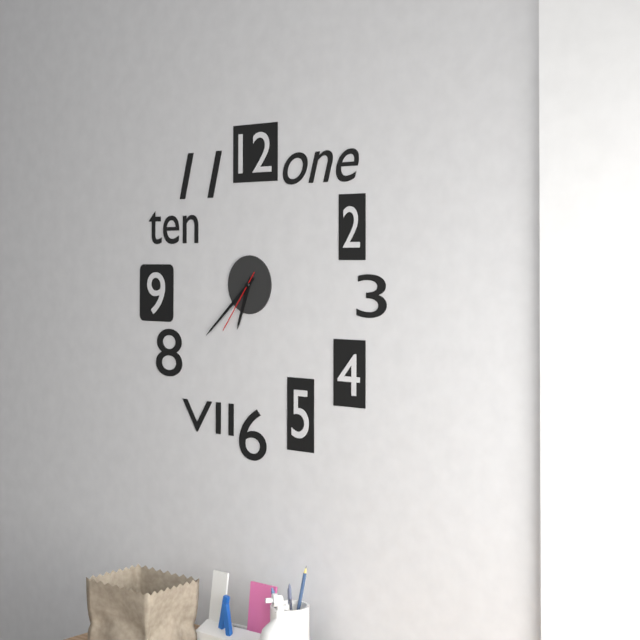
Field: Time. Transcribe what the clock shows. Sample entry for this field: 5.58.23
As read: 6.38.36
